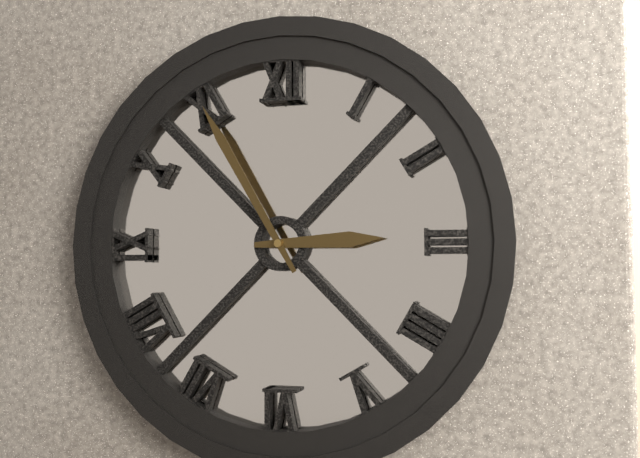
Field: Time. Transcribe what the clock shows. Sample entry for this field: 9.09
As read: 2.55
